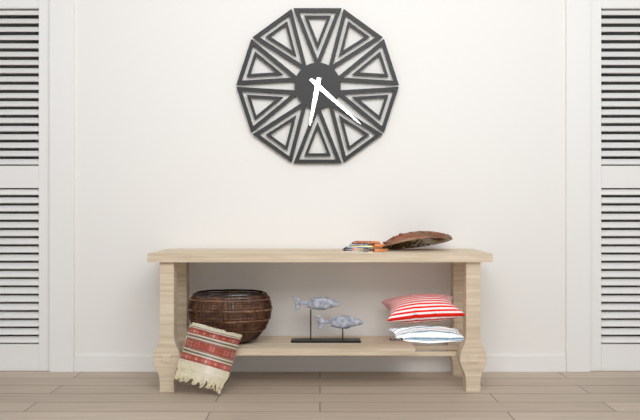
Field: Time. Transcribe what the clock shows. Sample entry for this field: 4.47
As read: 6.22
